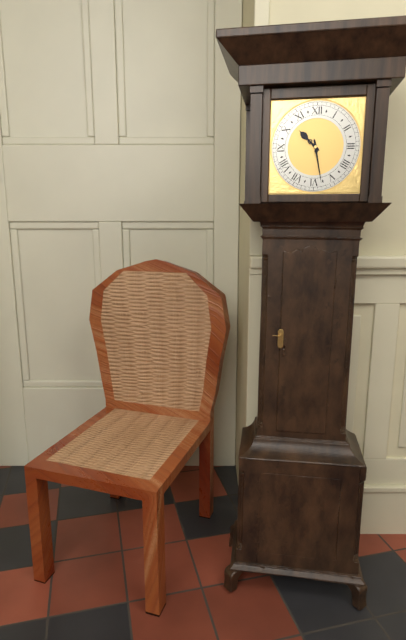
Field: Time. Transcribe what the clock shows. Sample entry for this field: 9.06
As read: 10.28
